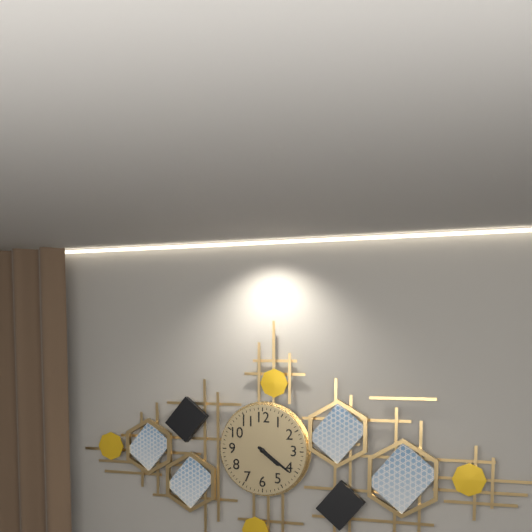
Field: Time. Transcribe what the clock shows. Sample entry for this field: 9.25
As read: 4.21
